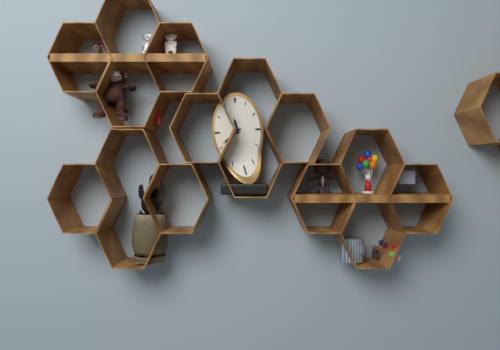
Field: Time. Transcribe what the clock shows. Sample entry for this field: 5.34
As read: 11.39
